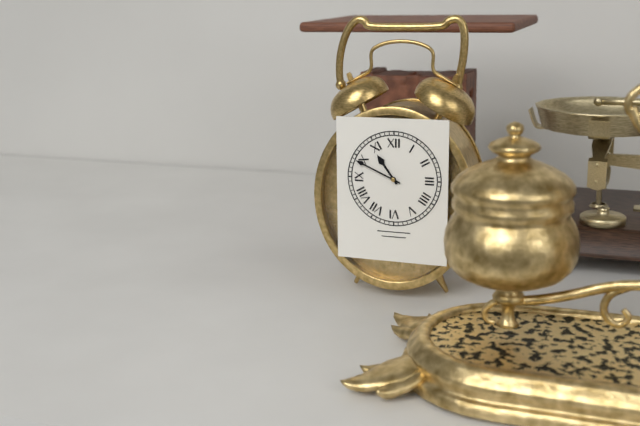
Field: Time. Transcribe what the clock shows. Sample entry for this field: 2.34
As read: 10.49
